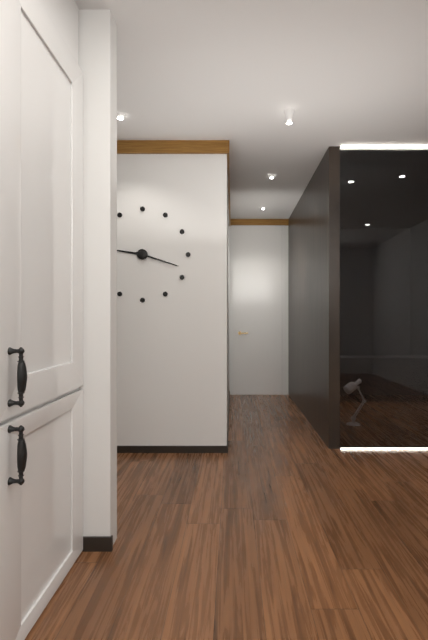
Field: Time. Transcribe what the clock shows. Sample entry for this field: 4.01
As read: 9.18
